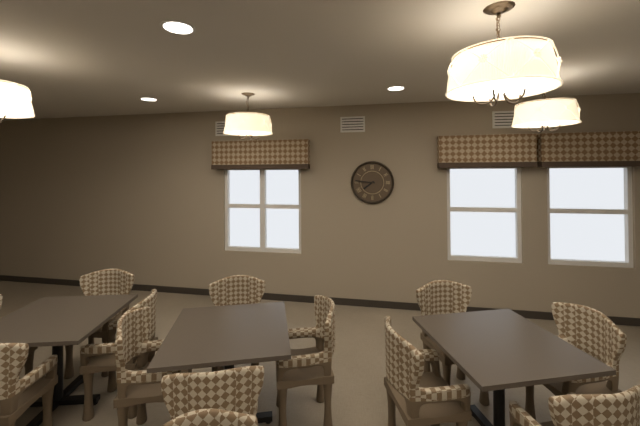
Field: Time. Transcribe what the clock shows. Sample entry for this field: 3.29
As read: 7.46
